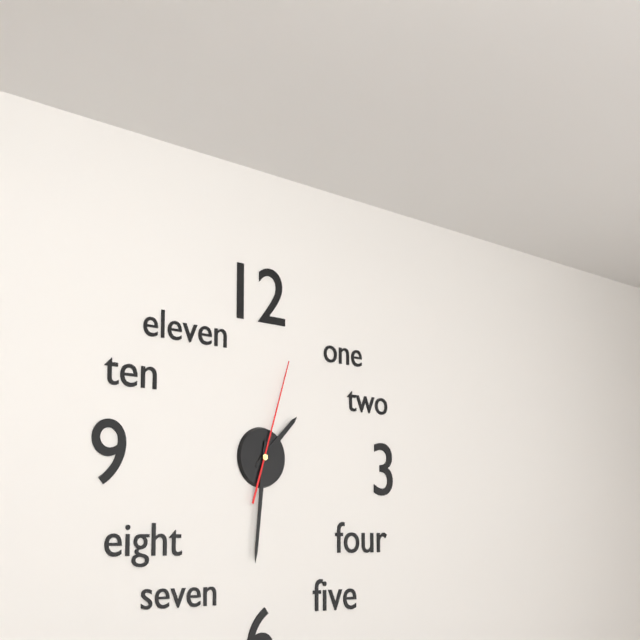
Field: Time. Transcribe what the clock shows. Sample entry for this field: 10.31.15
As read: 1.31.03
